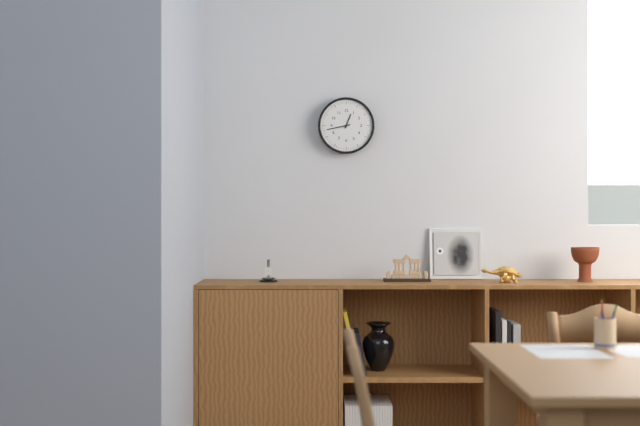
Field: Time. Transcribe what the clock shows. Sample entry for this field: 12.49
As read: 12.43
